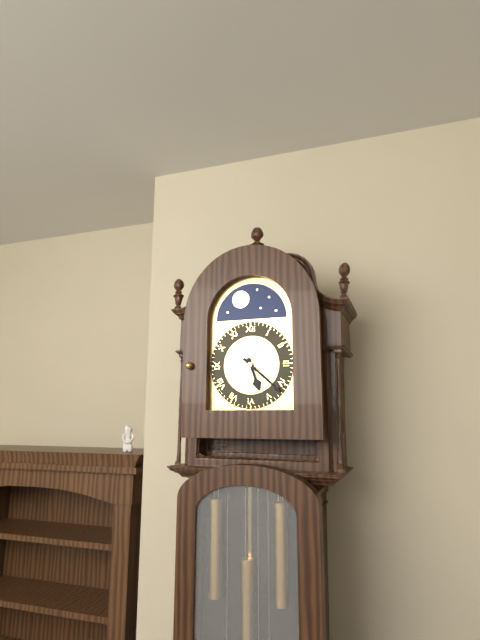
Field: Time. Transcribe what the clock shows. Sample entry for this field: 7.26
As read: 5.22
